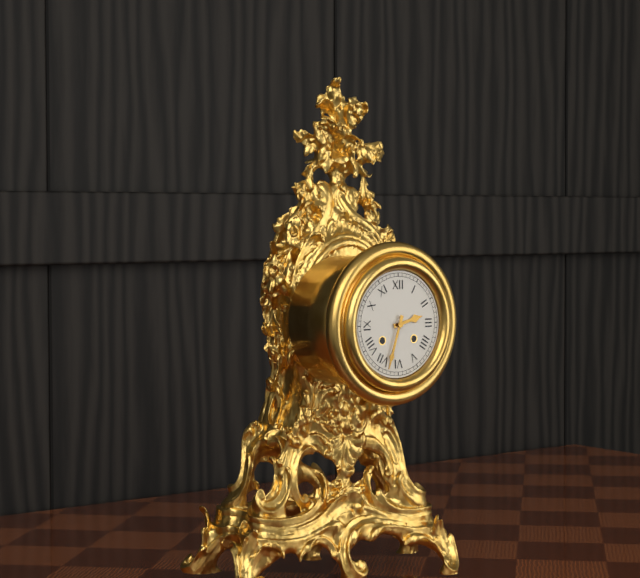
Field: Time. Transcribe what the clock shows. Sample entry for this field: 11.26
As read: 2.33
